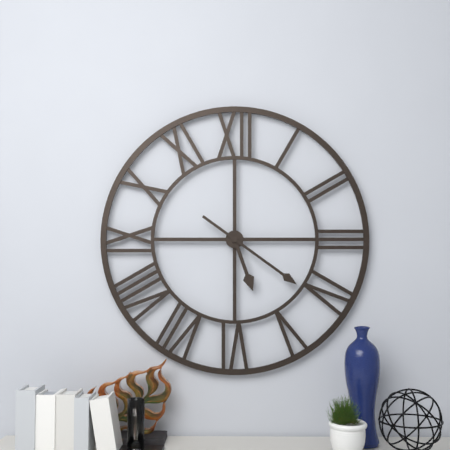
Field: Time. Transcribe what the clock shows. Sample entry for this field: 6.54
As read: 5.21
